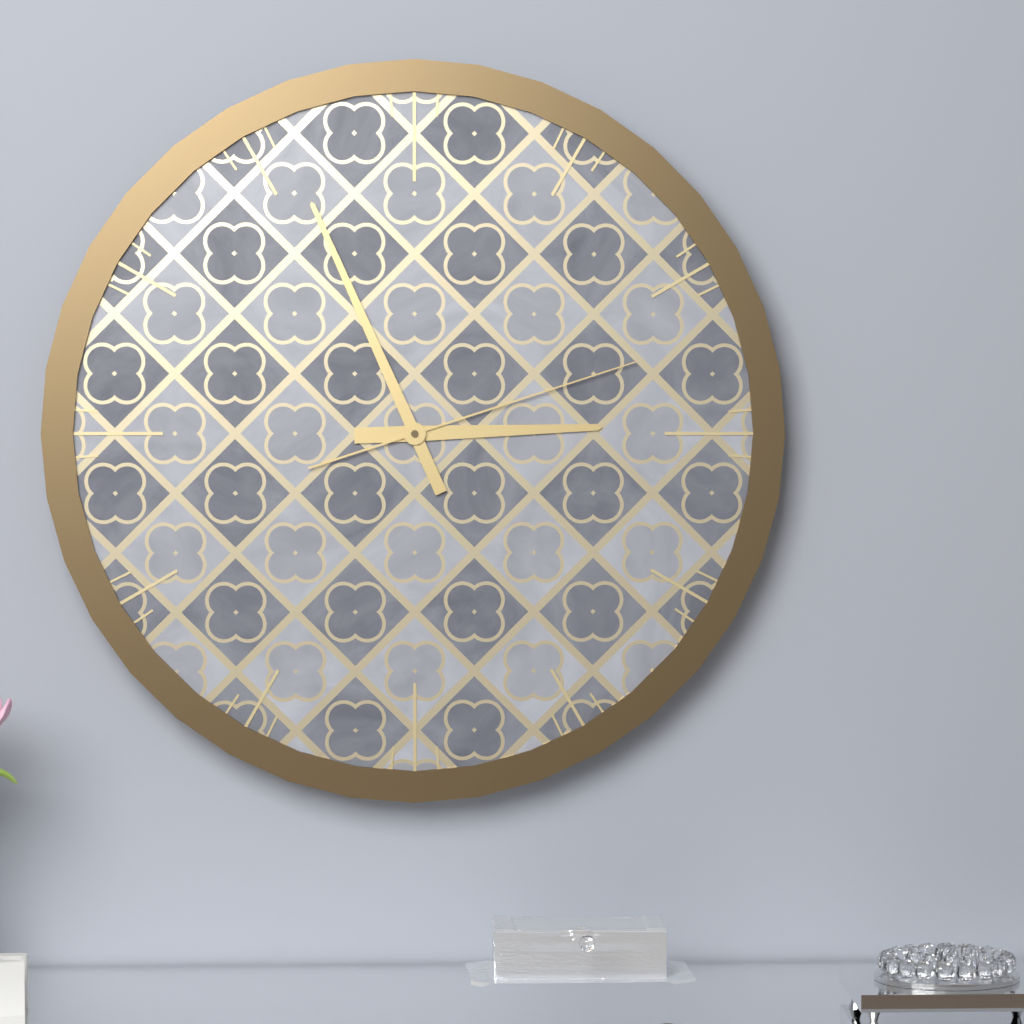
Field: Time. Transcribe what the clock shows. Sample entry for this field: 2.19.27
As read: 2.56.12
